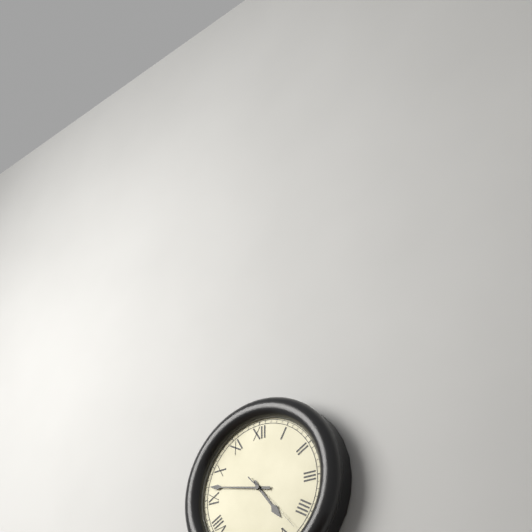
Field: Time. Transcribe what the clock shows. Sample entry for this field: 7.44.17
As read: 4.47.23
